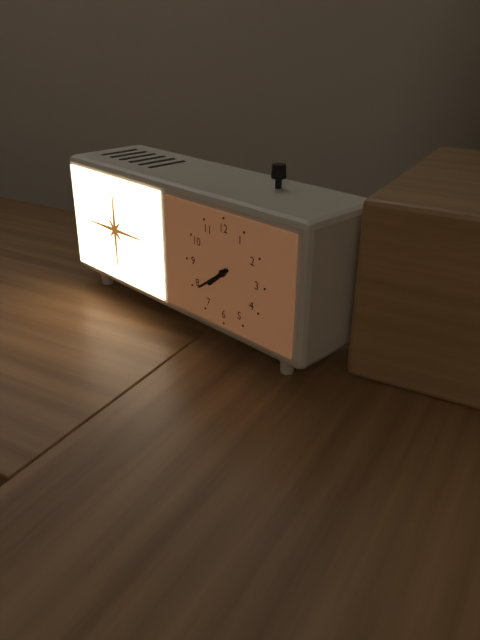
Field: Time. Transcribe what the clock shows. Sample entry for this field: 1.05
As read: 7.39
